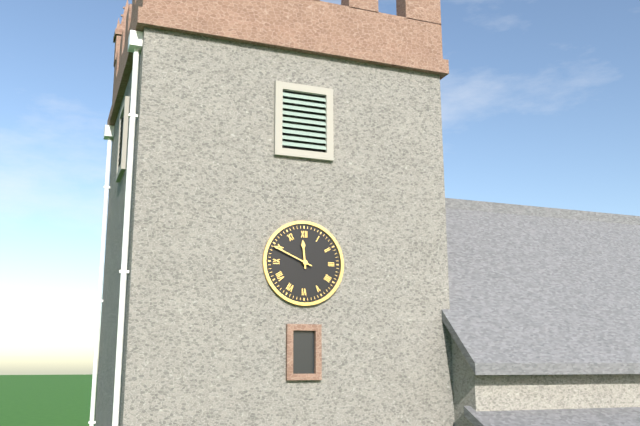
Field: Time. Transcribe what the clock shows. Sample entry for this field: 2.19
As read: 11.49
